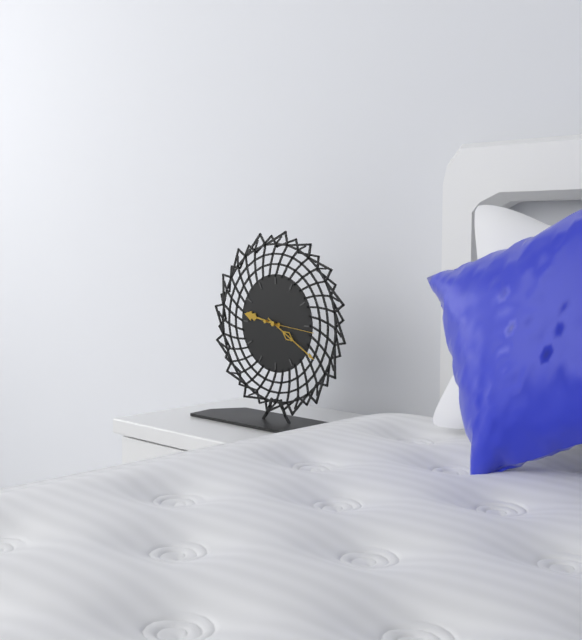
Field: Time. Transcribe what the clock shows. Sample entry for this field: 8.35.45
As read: 9.20.16
